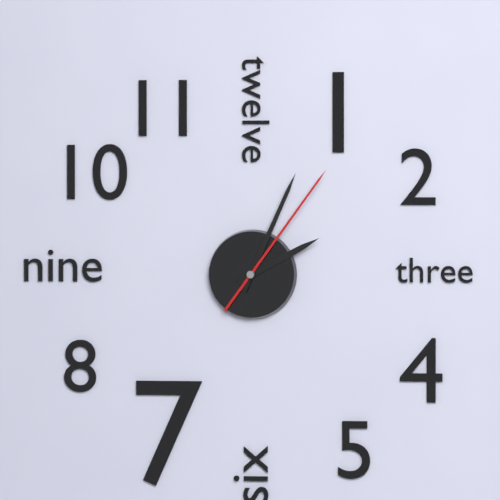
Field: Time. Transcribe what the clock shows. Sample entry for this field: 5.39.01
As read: 2.04.06
